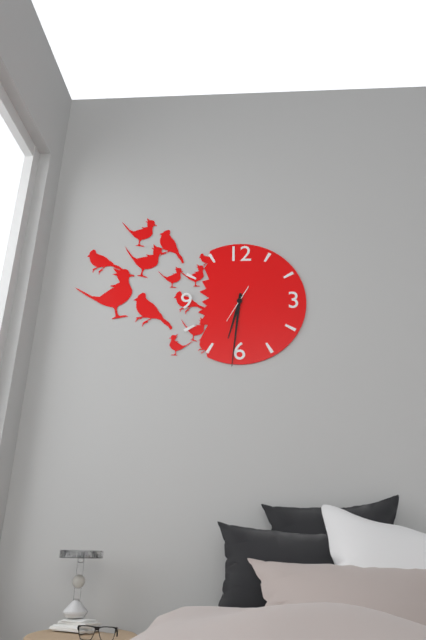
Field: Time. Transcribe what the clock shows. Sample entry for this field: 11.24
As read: 6.31
